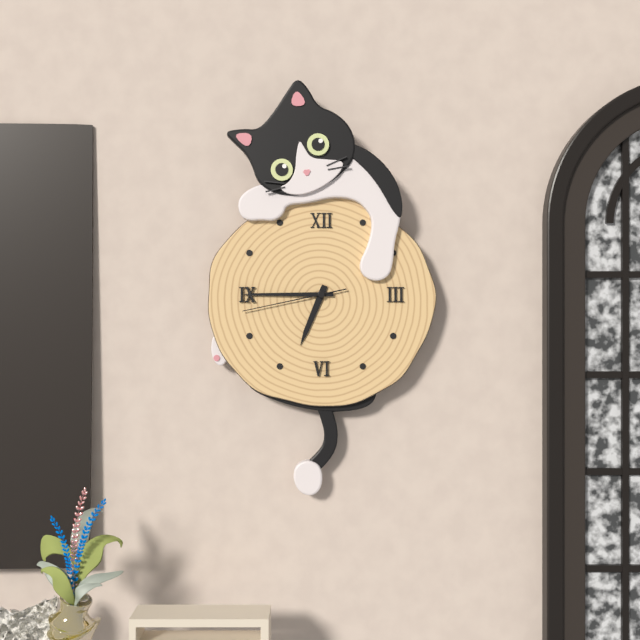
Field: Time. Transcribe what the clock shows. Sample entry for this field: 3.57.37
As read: 6.45.43
